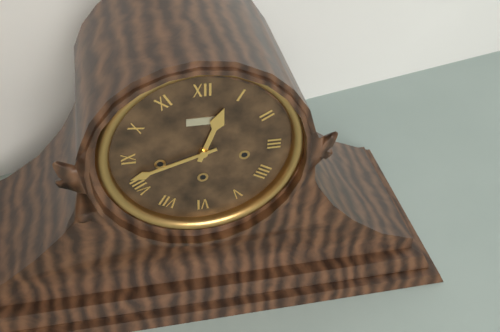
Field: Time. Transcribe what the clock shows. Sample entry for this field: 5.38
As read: 12.42
